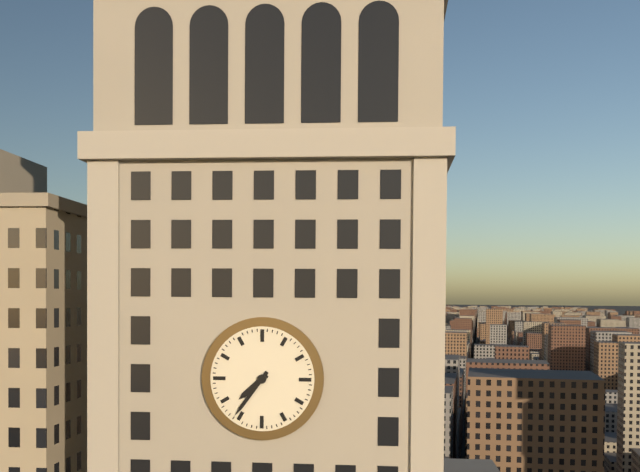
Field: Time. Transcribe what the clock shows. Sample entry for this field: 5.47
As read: 7.36
